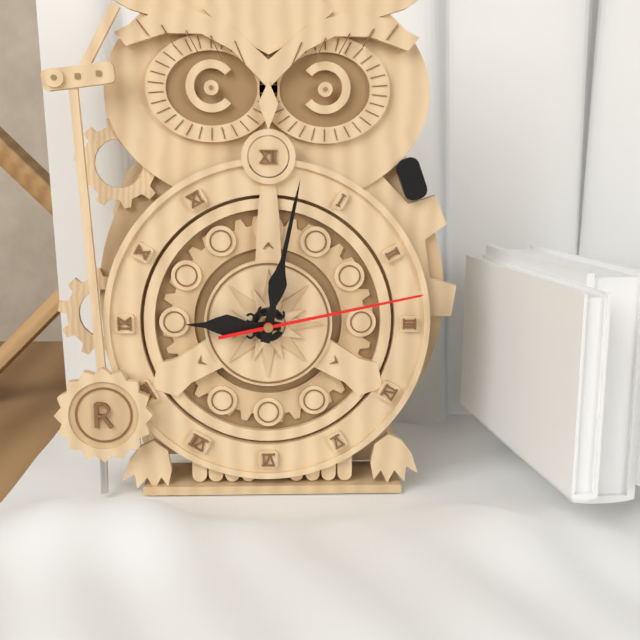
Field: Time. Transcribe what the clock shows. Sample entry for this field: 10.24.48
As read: 9.02.13
